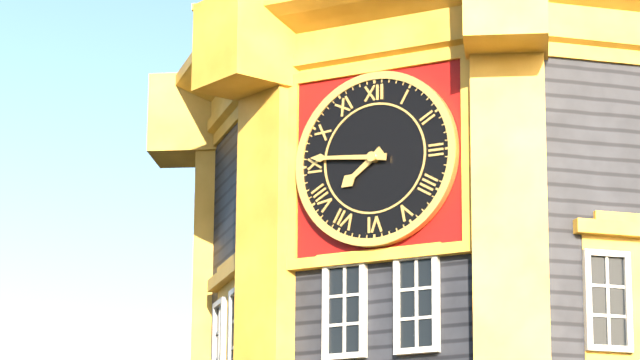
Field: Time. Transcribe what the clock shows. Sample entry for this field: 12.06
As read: 7.46
